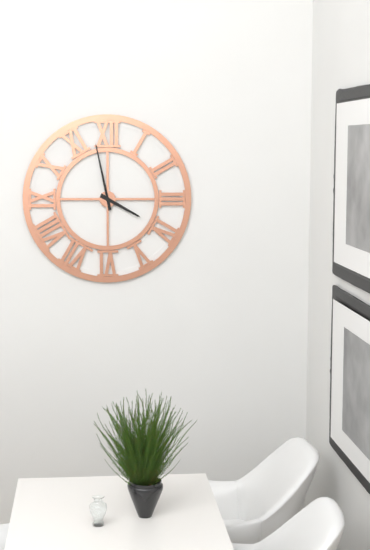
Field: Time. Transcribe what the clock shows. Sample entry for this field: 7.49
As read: 3.58
